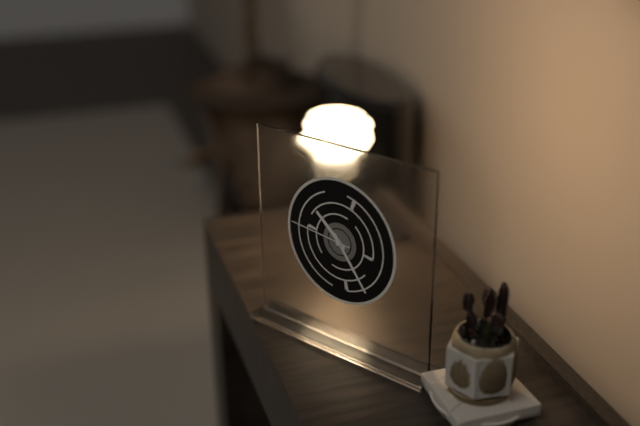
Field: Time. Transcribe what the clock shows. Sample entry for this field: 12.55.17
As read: 10.24.46
